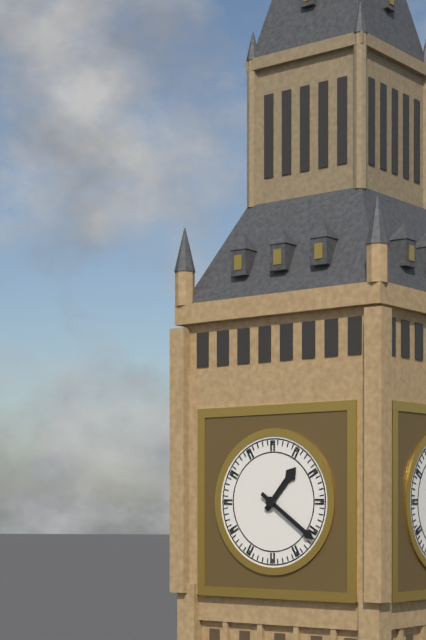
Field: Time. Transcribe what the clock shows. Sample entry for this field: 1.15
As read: 1.21
